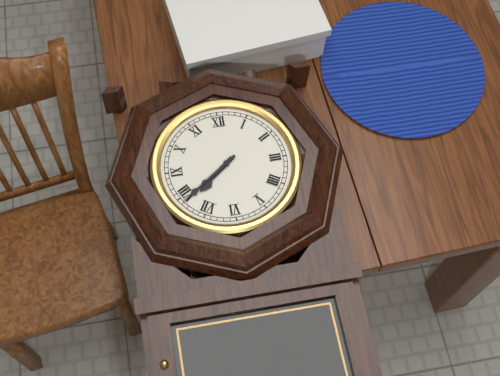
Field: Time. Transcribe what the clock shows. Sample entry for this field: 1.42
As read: 7.39
